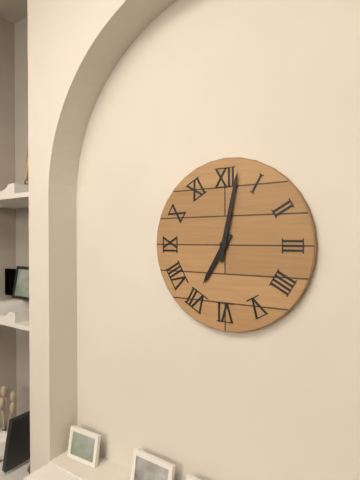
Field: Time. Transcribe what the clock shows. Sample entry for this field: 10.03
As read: 7.02
